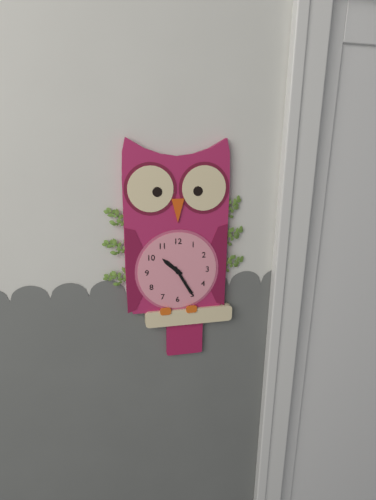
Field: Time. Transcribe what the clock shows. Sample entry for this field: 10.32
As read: 10.25
